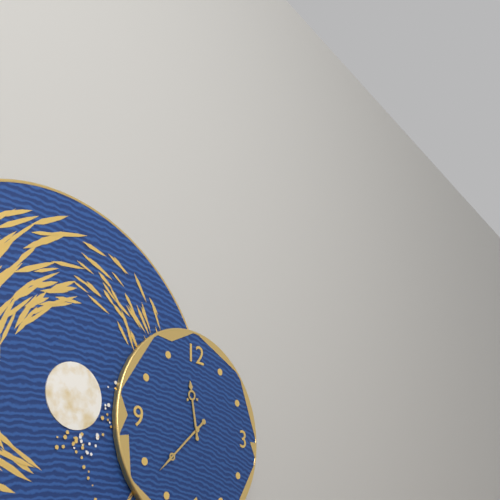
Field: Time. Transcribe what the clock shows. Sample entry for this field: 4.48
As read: 11.38
